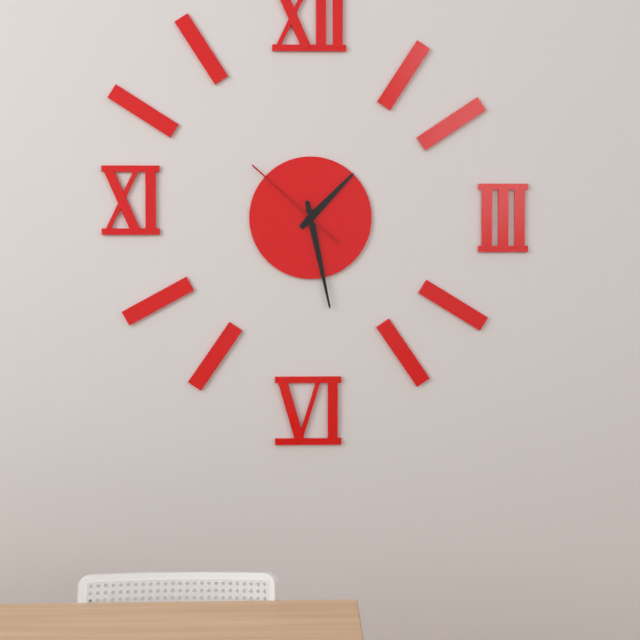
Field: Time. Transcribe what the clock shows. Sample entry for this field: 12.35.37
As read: 1.28.52
